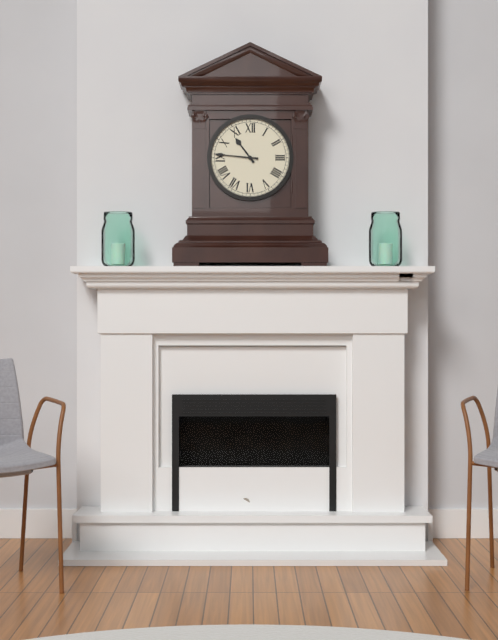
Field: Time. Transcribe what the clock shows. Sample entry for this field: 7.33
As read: 10.46
